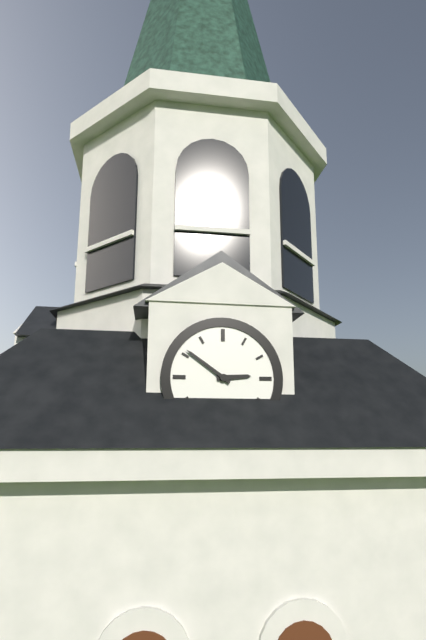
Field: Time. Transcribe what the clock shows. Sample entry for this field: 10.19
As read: 2.51
